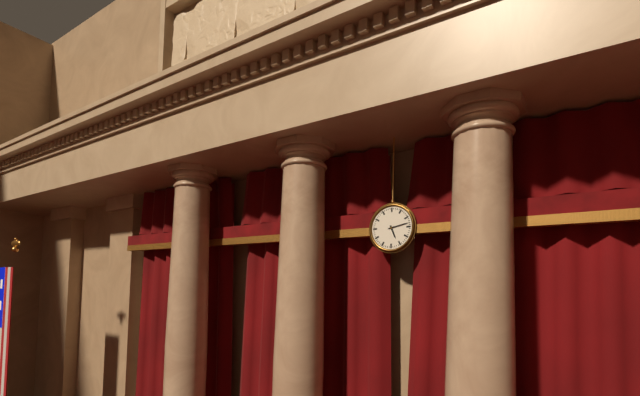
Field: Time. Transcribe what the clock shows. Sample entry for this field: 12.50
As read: 5.13
